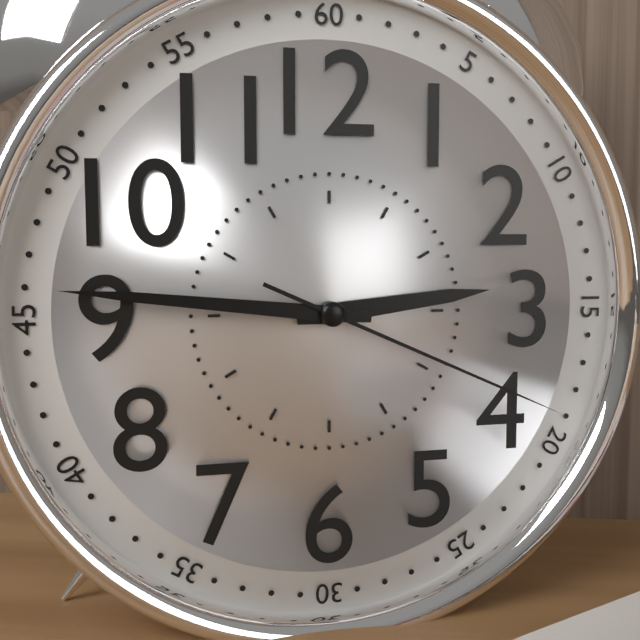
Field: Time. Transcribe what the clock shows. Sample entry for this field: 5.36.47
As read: 2.46.19
